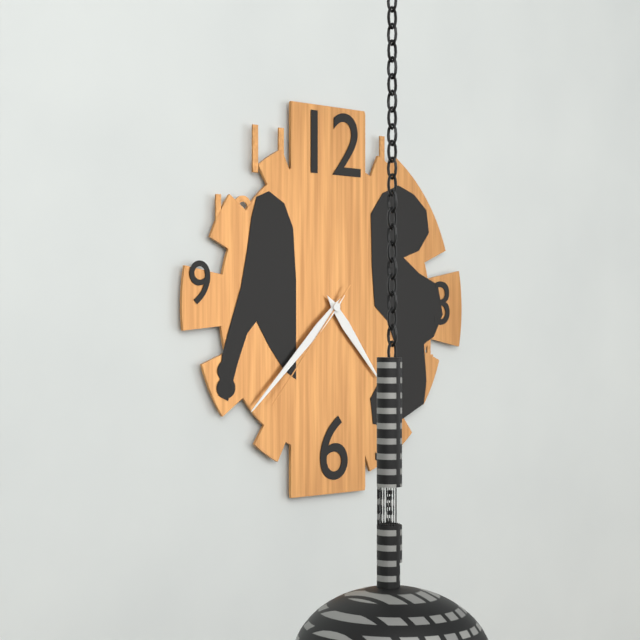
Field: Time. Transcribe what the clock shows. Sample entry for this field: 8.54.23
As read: 4.38.37
